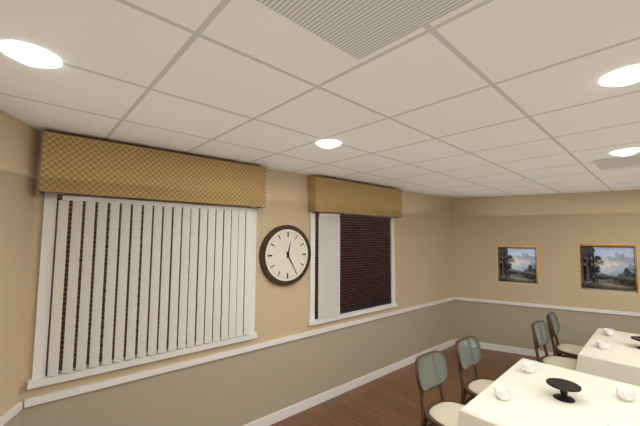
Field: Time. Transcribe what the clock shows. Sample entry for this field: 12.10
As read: 12.25
